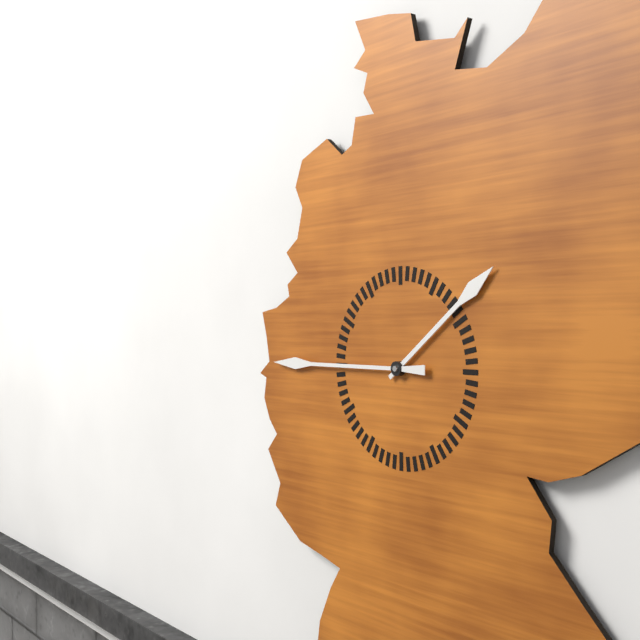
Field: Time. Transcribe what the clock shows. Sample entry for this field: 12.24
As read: 1.45
